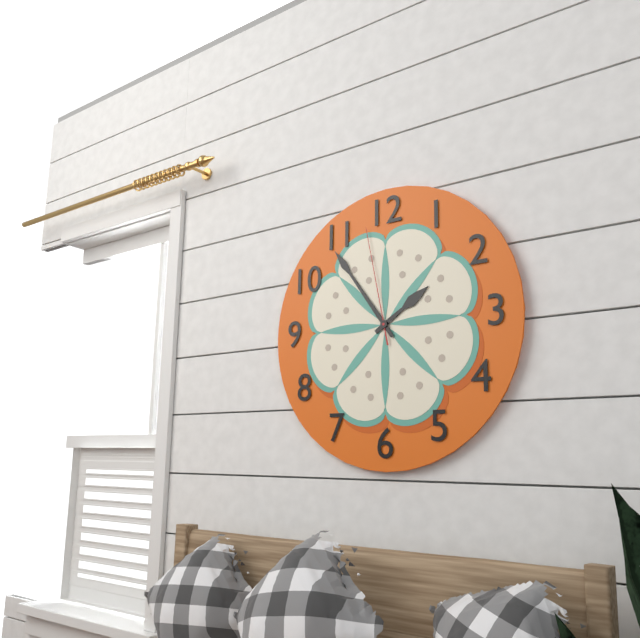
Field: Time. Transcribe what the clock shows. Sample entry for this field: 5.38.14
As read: 1.54.58
